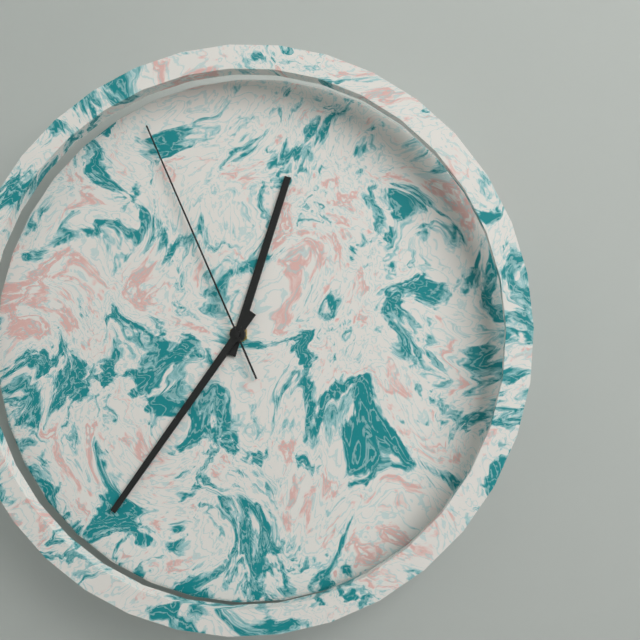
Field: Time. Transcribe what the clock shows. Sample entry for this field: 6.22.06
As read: 12.36.56
